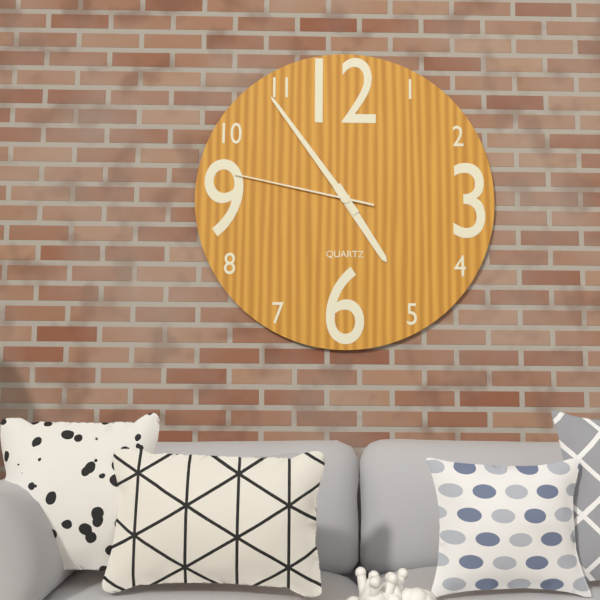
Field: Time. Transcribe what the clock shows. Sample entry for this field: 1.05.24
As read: 4.54.47
